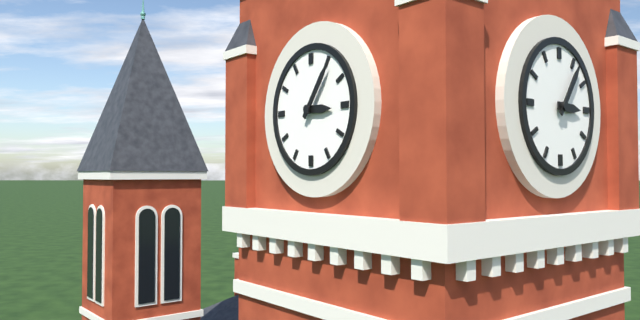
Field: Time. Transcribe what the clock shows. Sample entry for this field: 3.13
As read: 3.06
